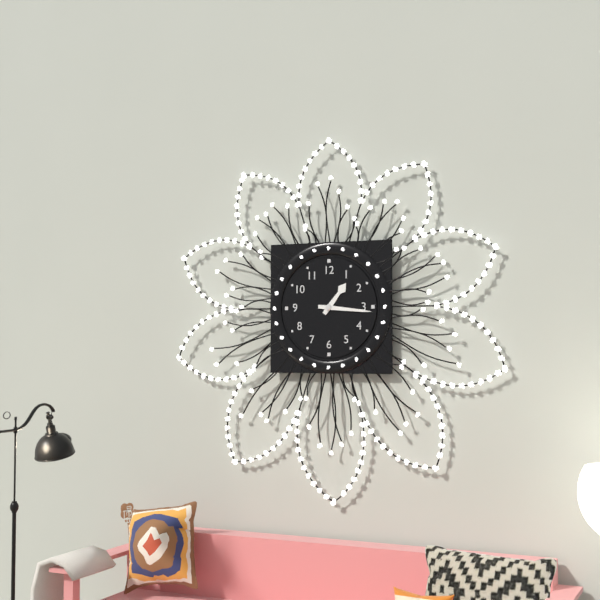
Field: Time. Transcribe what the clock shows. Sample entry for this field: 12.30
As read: 1.16
